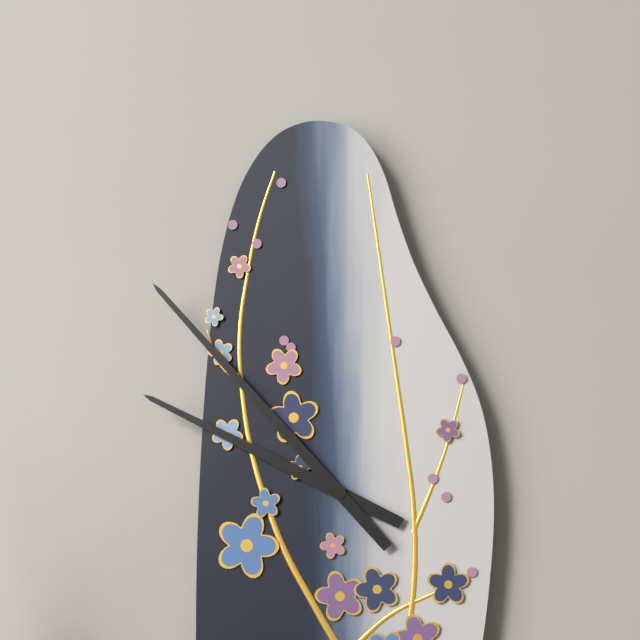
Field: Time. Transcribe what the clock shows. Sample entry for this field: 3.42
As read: 9.53
